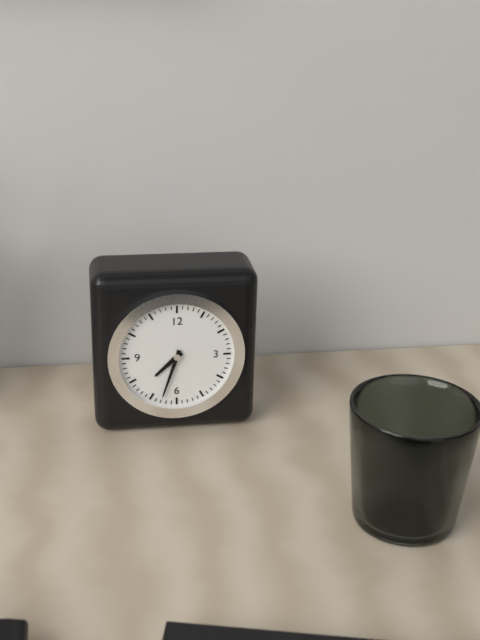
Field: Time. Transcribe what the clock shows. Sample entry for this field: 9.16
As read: 7.33
